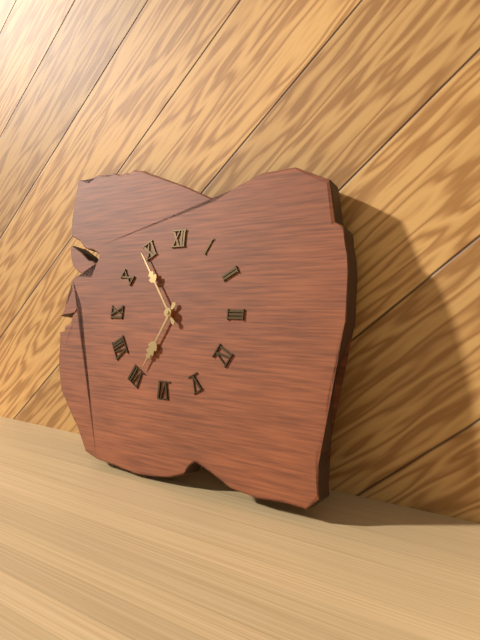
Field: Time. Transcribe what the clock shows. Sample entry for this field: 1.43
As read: 6.54
